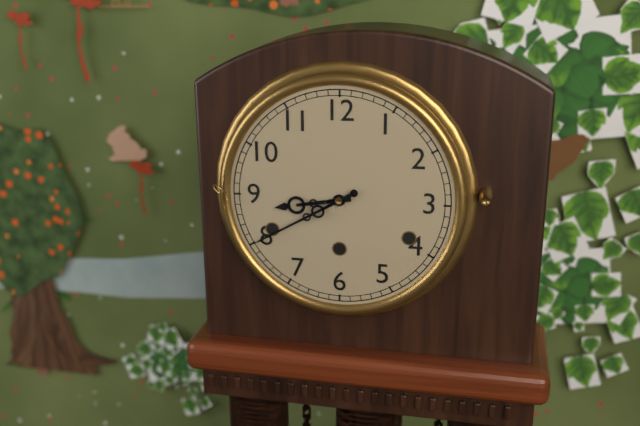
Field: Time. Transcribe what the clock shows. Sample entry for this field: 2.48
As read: 8.40
